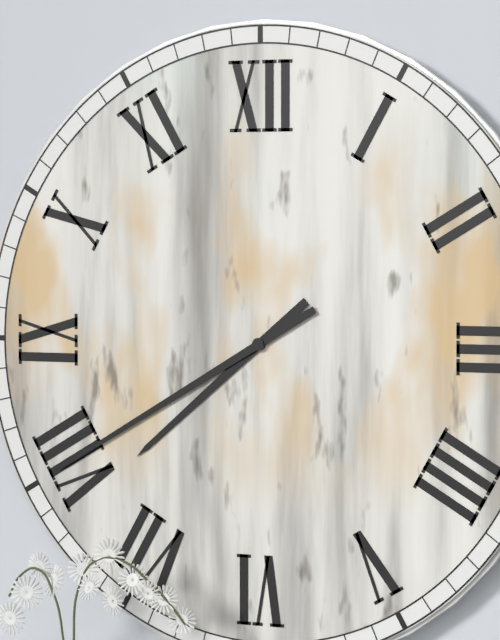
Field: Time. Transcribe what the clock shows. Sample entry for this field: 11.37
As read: 7.40
